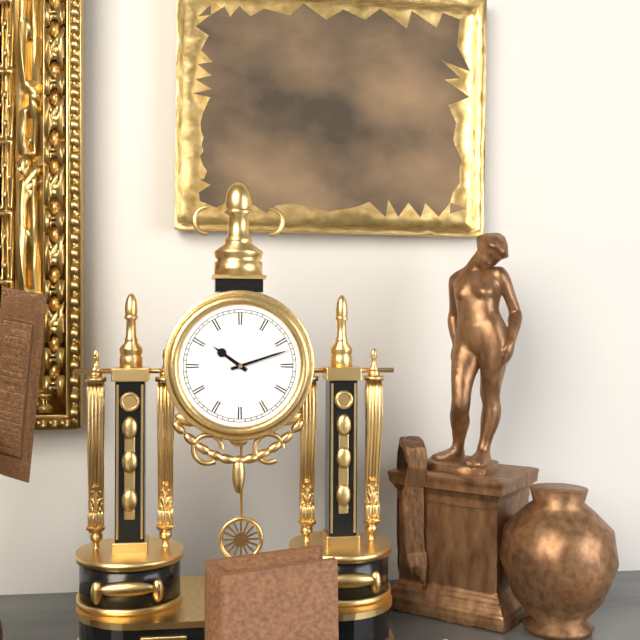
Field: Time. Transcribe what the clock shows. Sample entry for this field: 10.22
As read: 10.12
